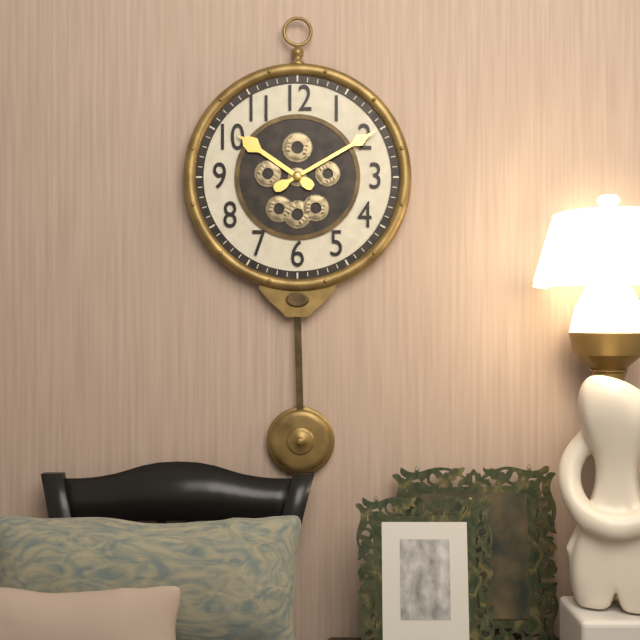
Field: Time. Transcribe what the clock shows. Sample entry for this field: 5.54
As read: 10.10
